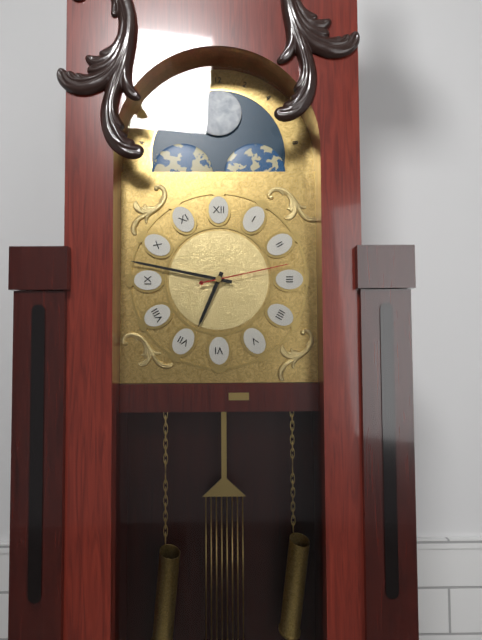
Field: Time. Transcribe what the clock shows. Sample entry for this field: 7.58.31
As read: 6.47.13
